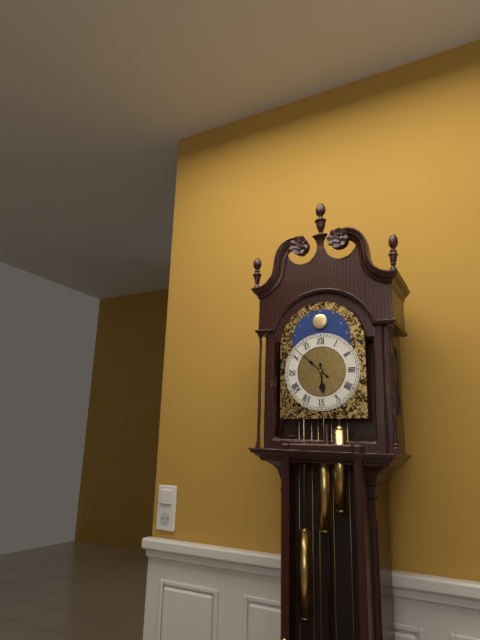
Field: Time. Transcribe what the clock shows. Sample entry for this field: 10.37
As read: 5.52
